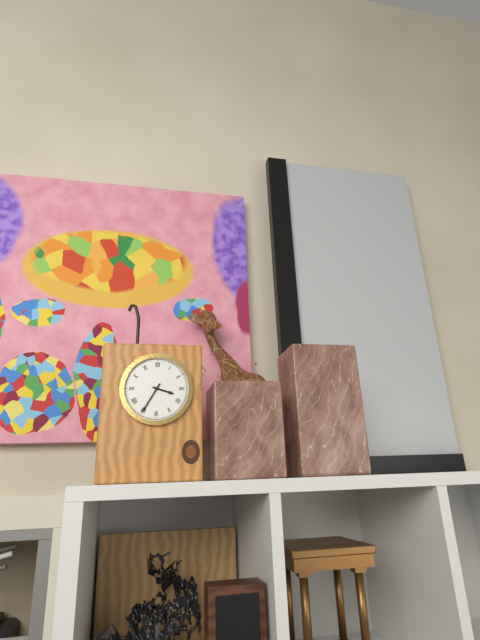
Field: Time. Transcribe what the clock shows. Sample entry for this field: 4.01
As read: 3.35
